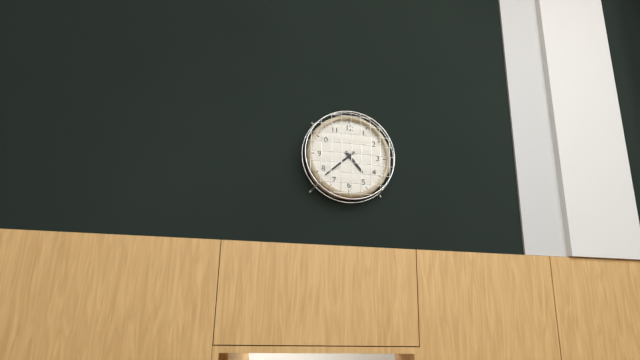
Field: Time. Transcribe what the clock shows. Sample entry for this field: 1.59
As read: 4.38
